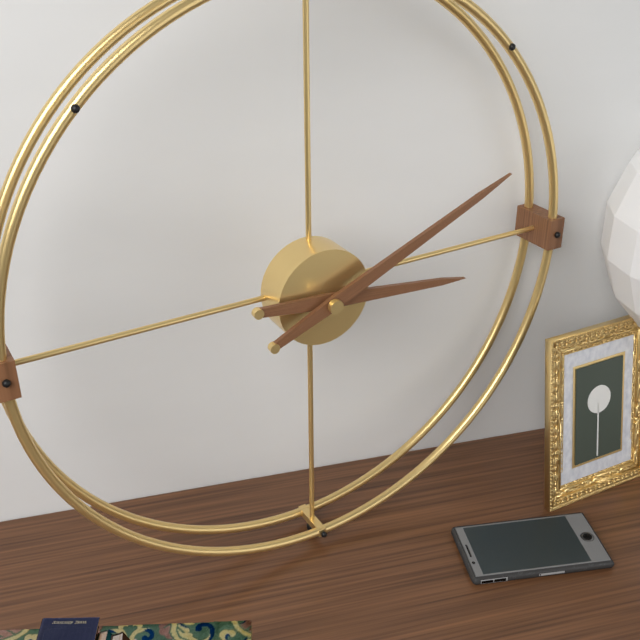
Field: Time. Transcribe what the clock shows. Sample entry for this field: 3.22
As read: 3.11
